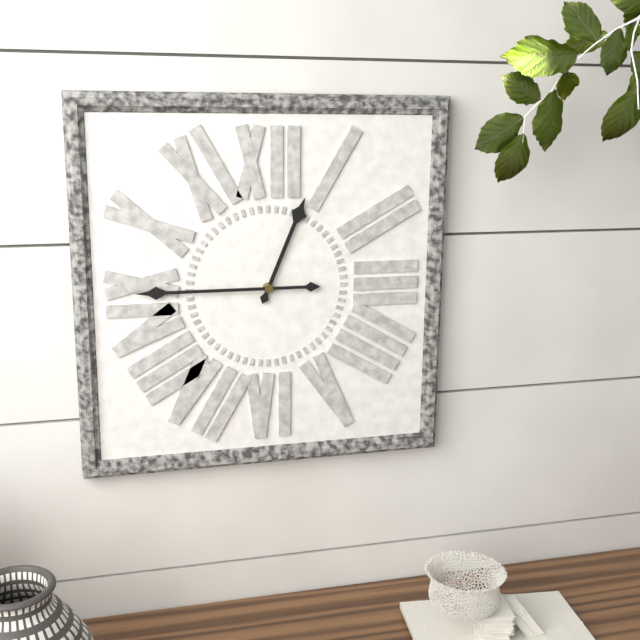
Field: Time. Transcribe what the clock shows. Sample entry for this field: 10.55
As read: 12.45
